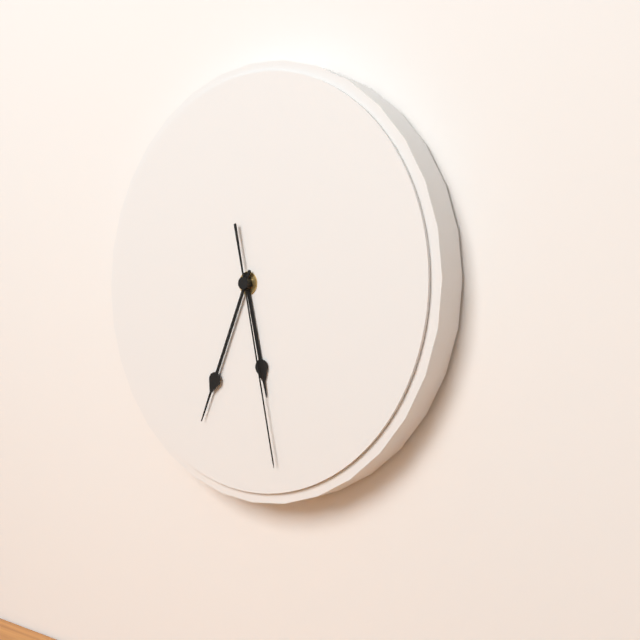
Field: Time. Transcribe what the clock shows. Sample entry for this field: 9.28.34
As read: 5.34.28
